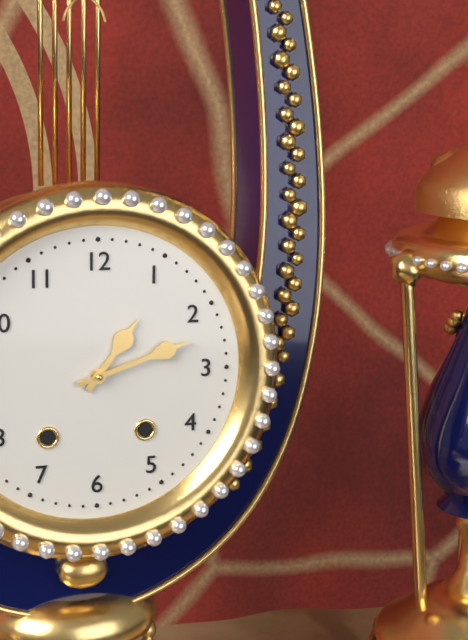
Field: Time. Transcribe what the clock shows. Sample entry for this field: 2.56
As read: 1.12
